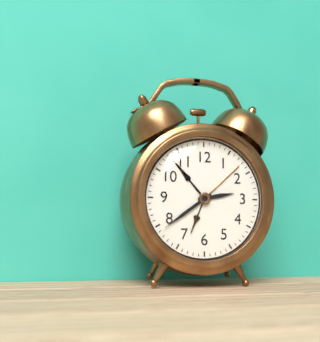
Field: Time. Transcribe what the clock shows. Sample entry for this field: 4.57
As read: 2.39
